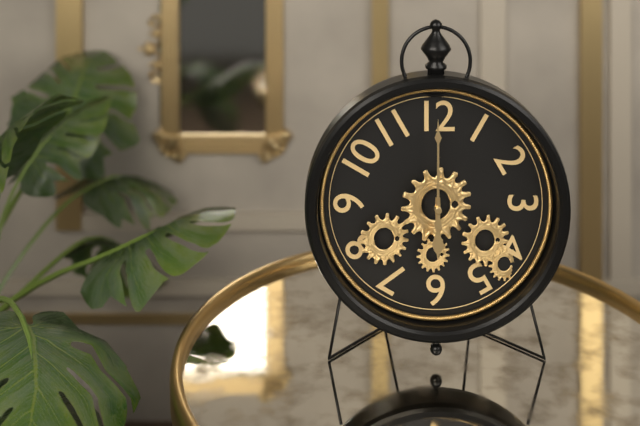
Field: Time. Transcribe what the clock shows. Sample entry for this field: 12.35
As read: 6.00
